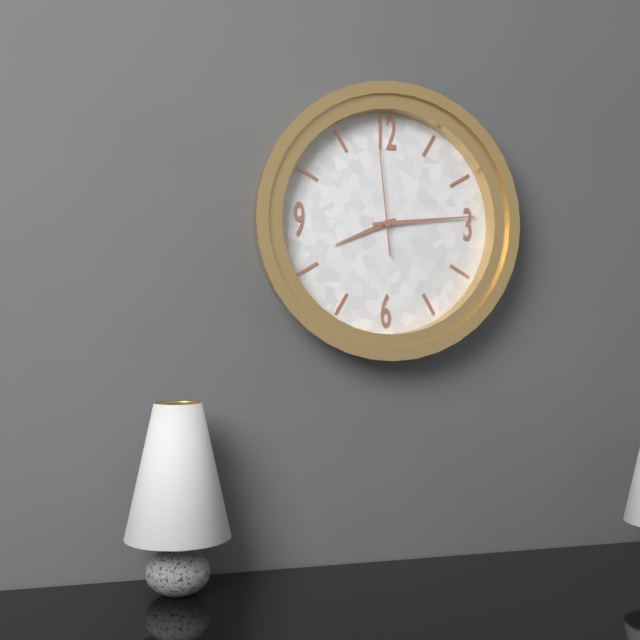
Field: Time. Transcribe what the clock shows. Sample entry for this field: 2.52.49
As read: 8.14.59
